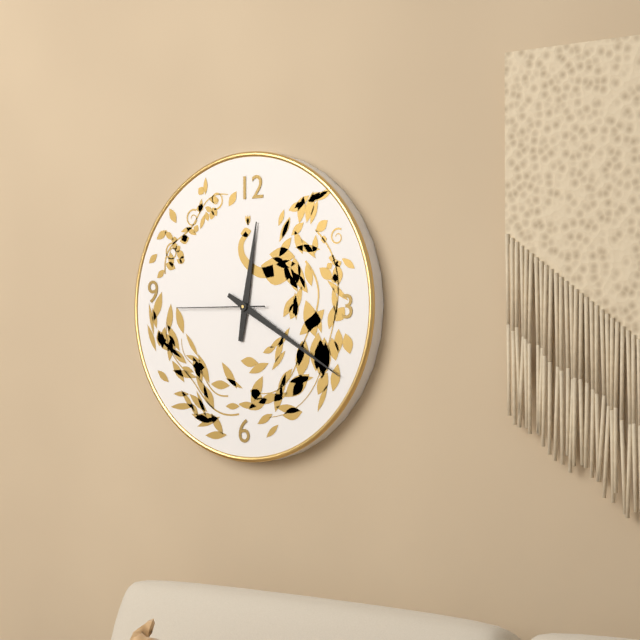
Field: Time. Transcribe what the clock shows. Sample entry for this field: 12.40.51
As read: 12.20.45
